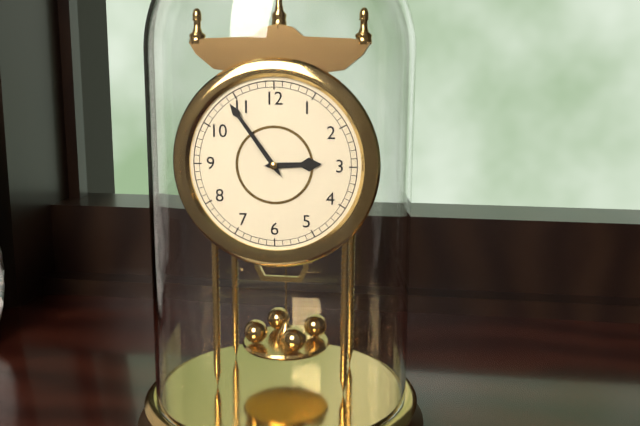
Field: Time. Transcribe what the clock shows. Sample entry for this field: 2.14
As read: 2.54
